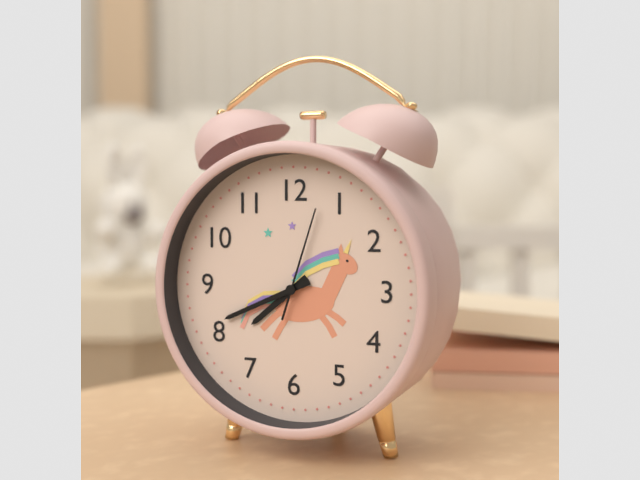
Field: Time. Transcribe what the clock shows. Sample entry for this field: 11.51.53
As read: 7.41.03
